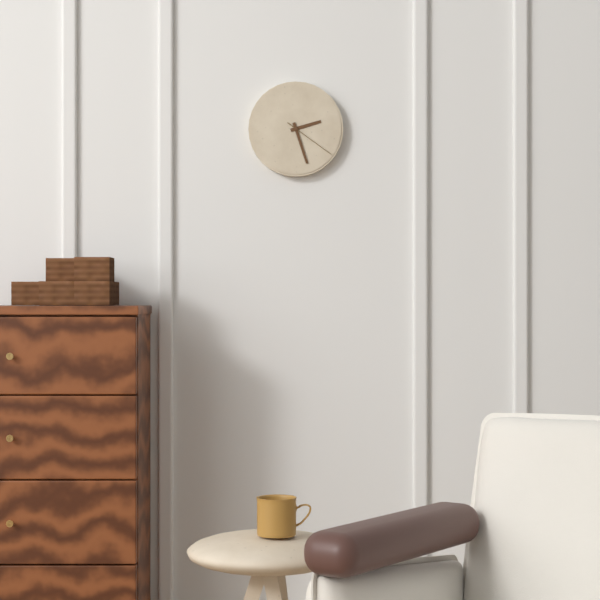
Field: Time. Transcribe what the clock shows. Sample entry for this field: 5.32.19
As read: 2.27.21
